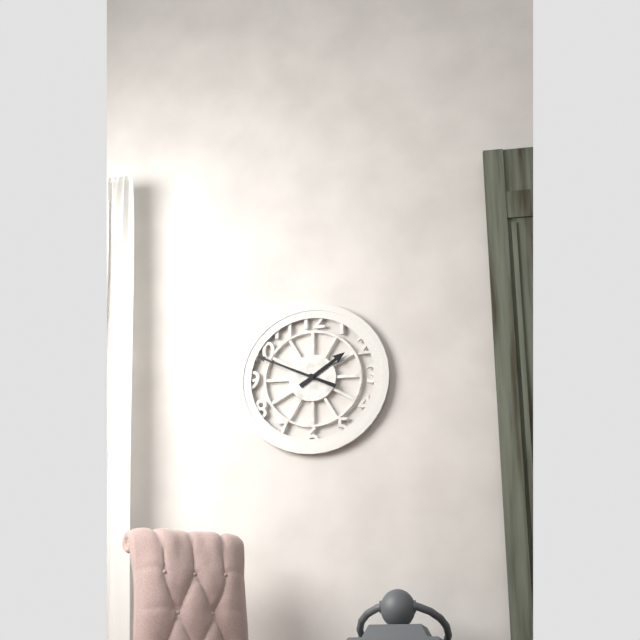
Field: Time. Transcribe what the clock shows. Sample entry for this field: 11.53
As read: 1.49
